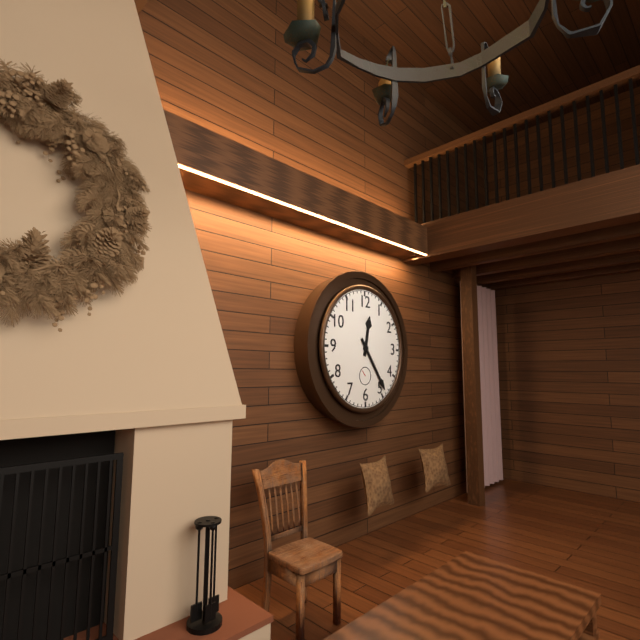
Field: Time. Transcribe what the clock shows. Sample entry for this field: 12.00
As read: 12.24
